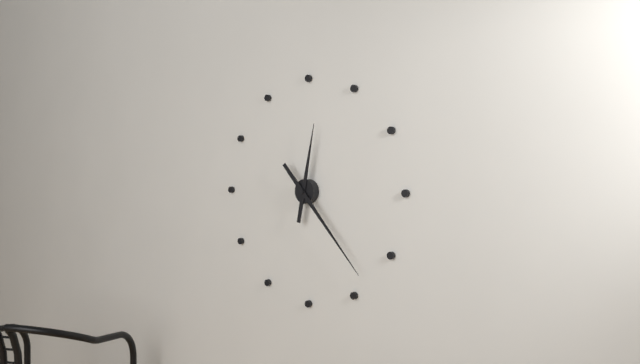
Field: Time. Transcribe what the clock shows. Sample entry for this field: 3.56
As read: 12.23
